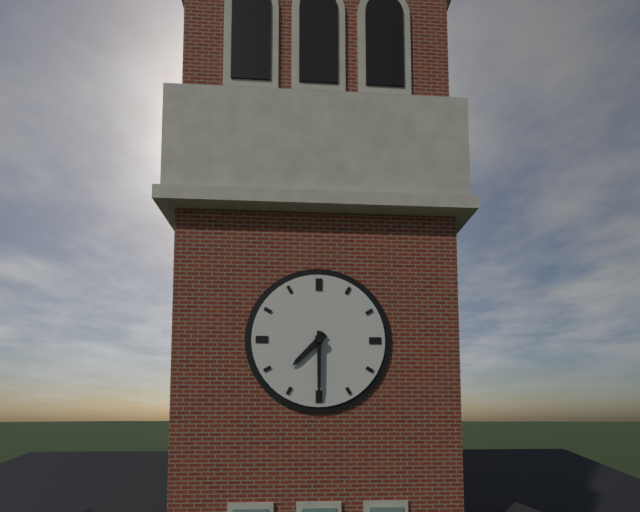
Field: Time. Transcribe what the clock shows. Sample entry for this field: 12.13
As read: 7.30
